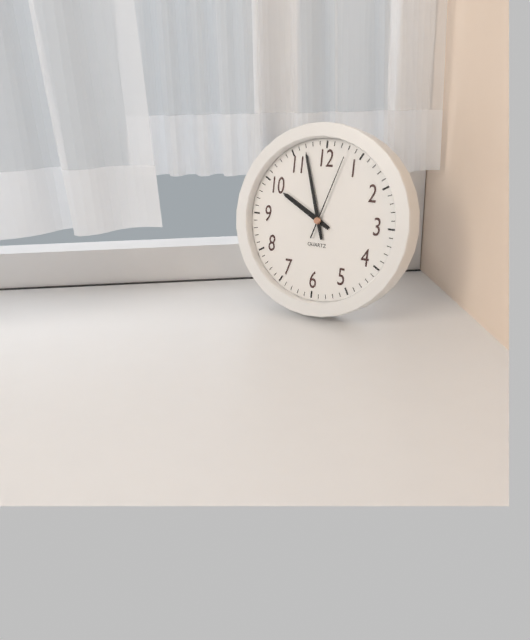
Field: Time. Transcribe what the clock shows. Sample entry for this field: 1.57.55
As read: 9.57.03
